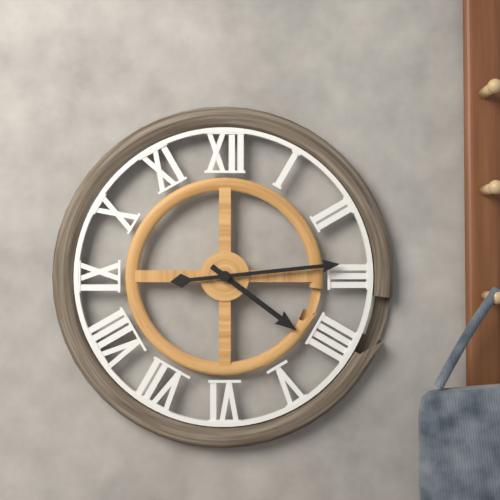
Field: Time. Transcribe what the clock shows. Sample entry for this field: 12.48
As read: 4.14
